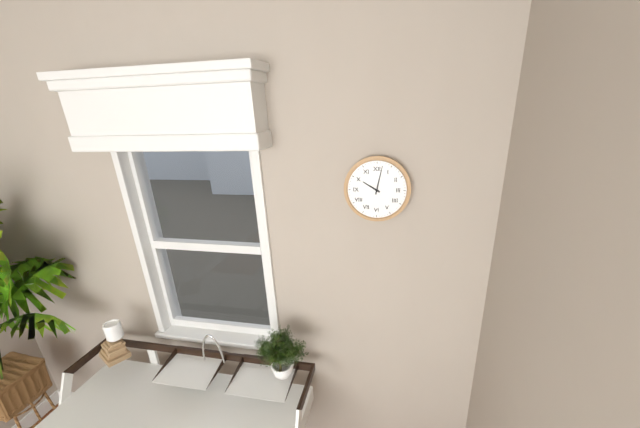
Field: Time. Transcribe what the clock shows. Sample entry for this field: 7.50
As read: 10.02
